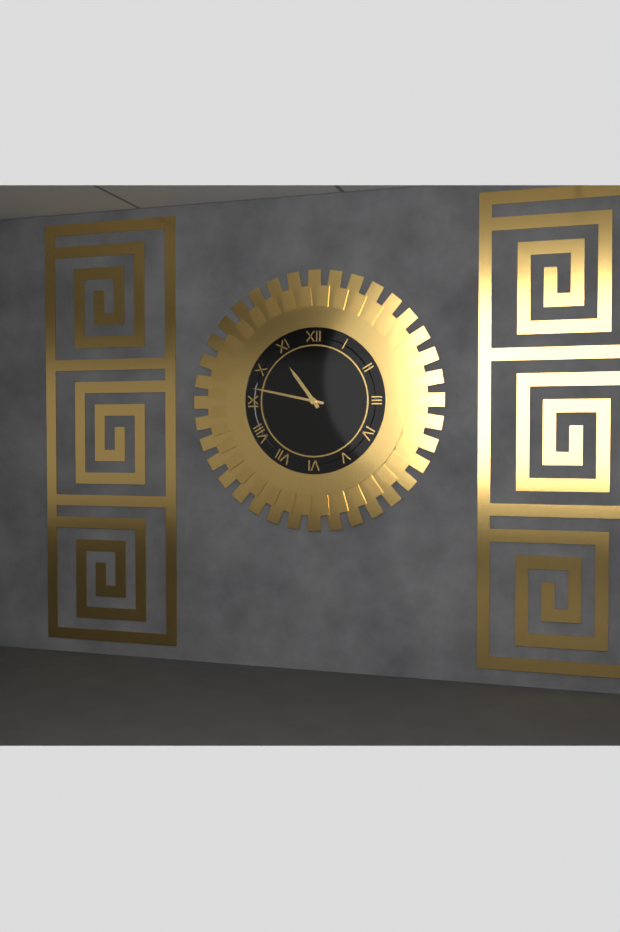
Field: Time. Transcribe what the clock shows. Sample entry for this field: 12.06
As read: 10.47
